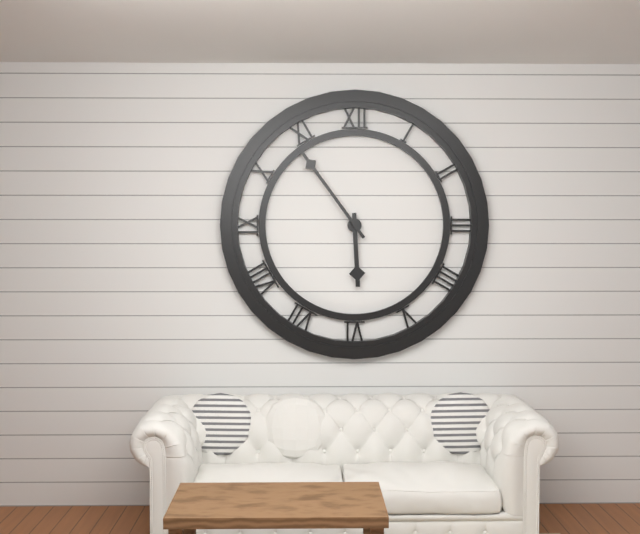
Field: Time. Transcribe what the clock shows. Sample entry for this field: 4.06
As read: 5.54
